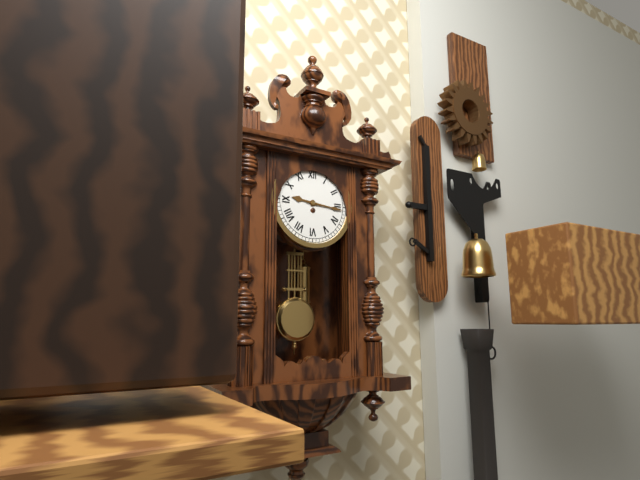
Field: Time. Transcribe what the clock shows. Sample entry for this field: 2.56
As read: 9.16
